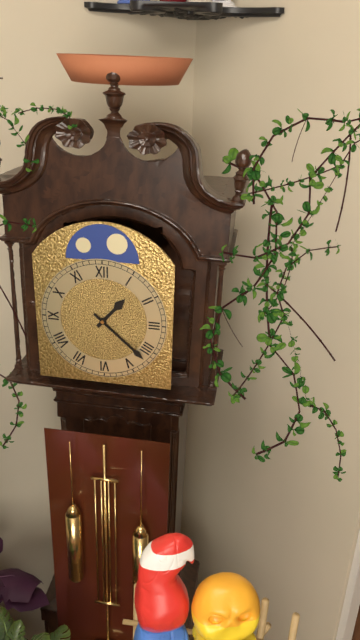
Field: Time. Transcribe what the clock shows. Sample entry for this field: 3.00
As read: 1.22
